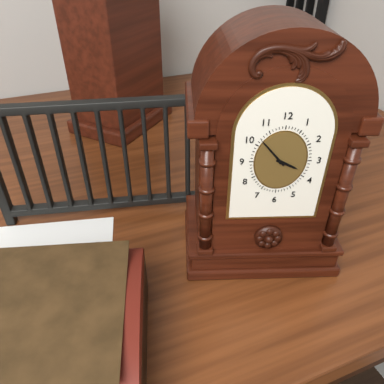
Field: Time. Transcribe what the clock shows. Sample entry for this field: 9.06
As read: 3.53
